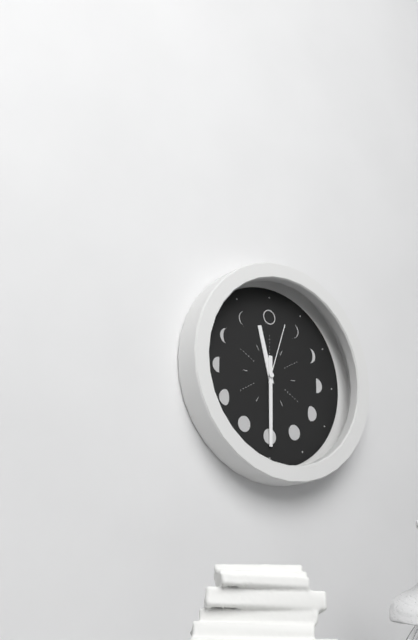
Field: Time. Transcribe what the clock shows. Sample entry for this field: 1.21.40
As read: 11.30.03
